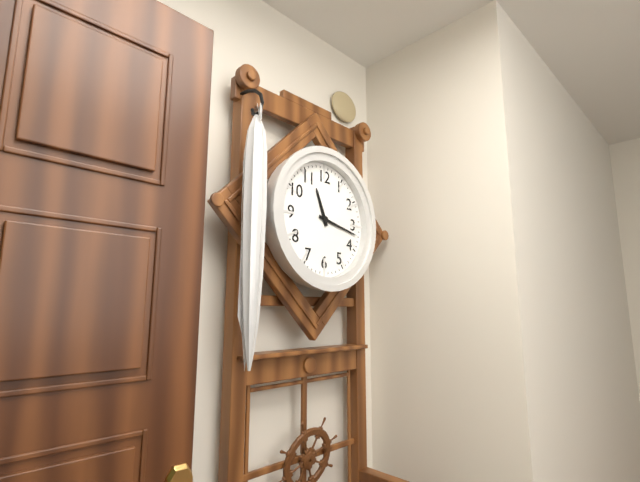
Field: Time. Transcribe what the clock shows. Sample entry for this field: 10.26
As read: 11.17
